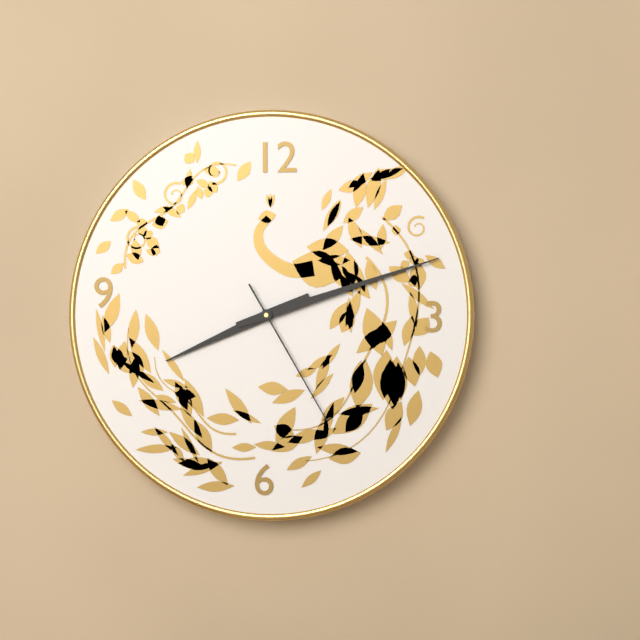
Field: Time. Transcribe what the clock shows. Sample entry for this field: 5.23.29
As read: 8.12.25
